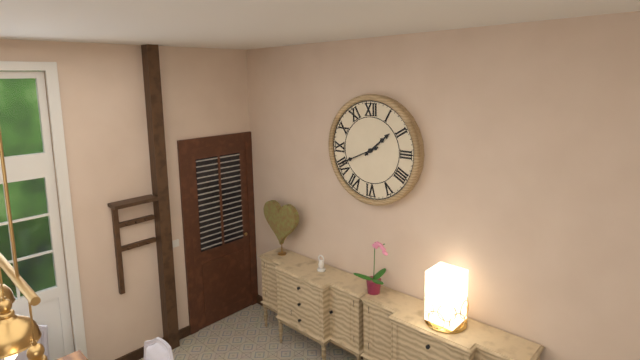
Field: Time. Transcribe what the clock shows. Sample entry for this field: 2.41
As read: 1.41
